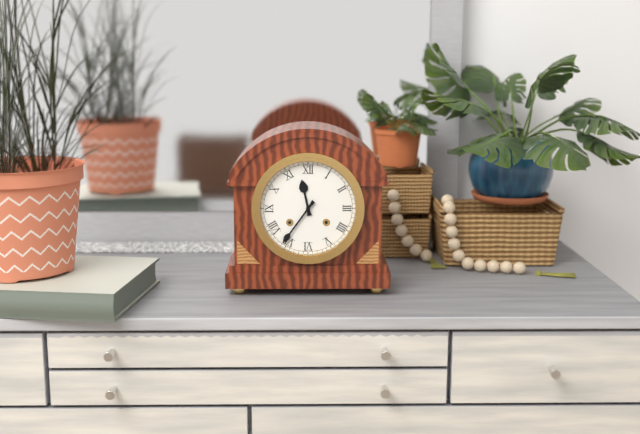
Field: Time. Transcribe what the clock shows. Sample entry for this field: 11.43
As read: 11.36
